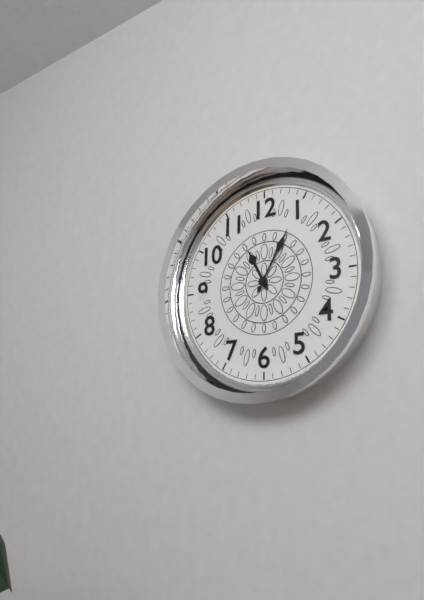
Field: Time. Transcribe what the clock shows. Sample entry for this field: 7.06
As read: 11.05
